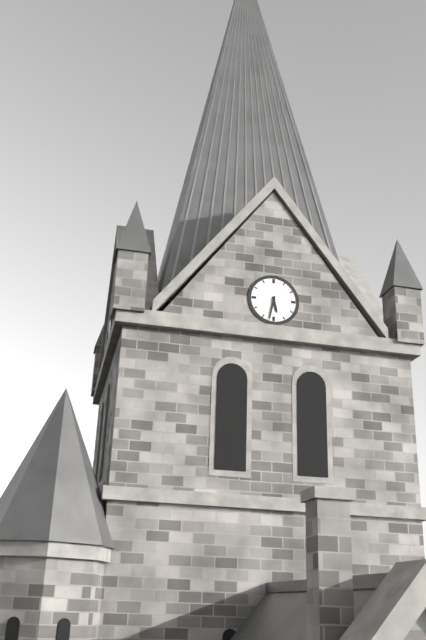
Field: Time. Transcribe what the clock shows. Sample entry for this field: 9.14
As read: 5.32
